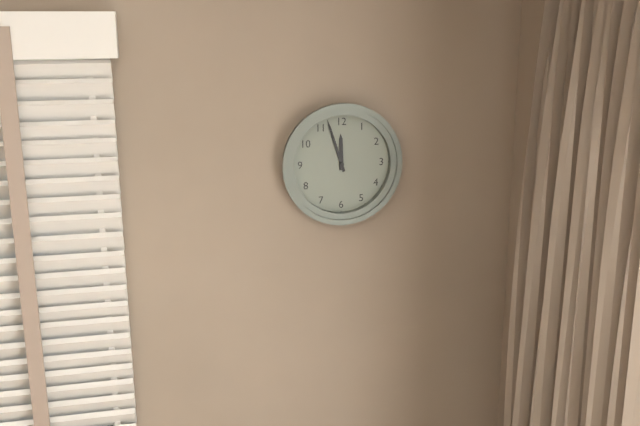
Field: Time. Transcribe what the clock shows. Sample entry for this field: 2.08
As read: 11.57
